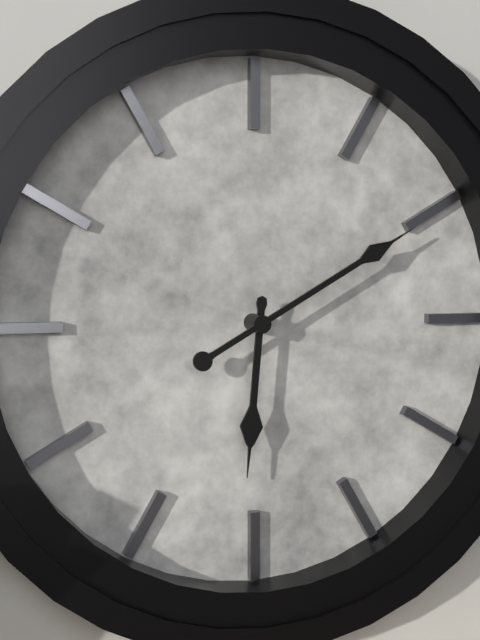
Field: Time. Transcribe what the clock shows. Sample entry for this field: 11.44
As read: 6.10
